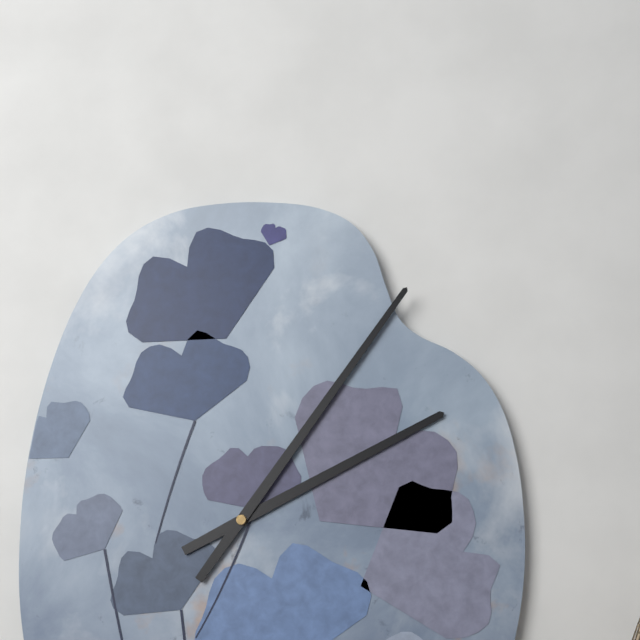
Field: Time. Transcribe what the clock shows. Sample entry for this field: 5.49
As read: 2.06
